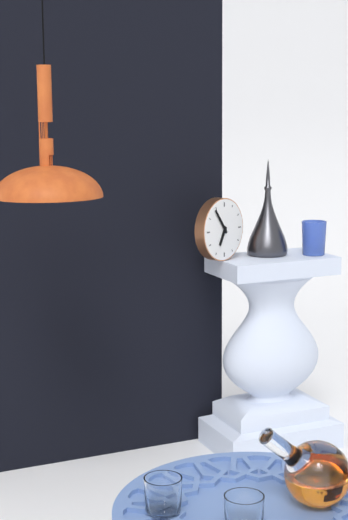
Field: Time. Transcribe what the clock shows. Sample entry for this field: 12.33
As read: 6.54
